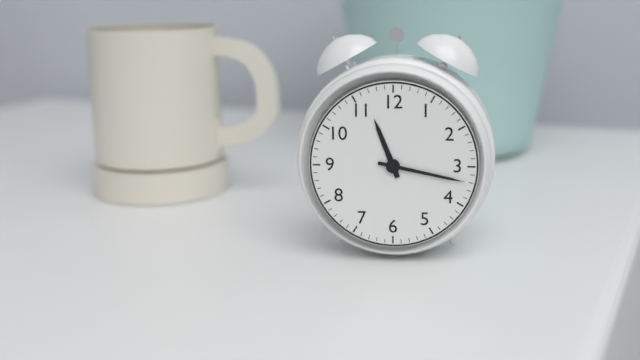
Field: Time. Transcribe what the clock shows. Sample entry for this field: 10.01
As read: 11.17
